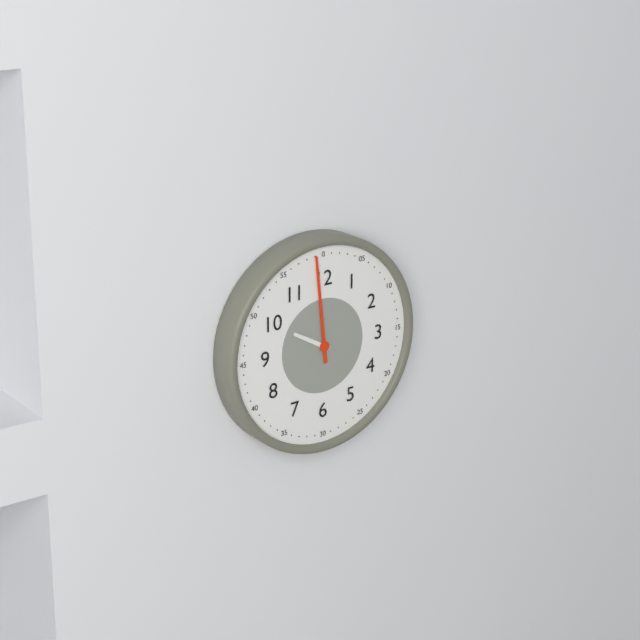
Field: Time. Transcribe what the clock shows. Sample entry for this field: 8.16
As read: 9.59
